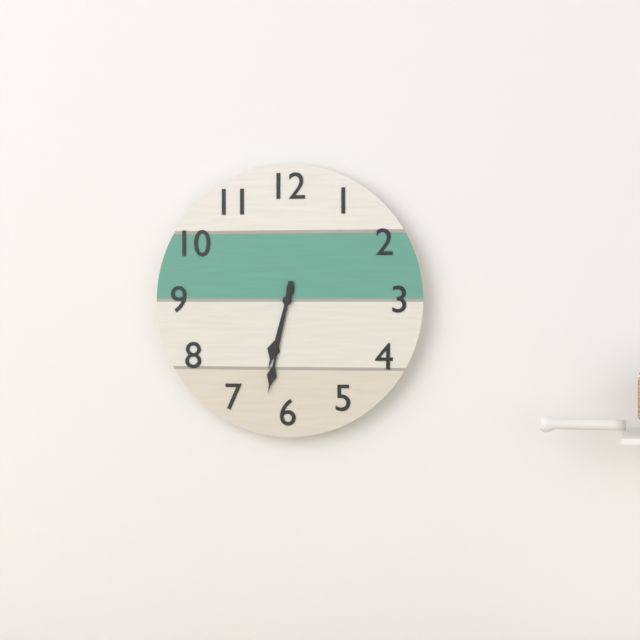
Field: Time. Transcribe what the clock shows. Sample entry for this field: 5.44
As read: 6.32
